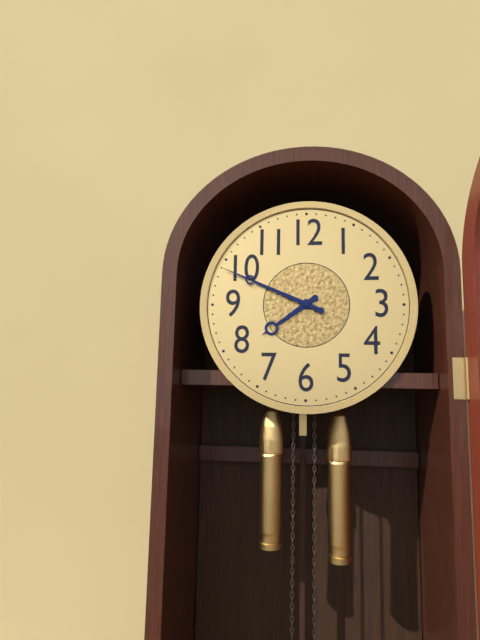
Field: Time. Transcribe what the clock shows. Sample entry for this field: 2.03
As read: 7.49
